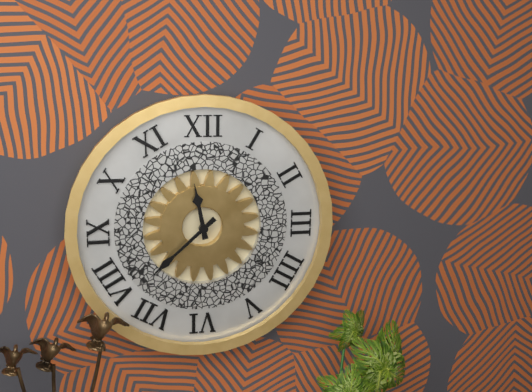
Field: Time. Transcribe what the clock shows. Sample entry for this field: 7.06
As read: 11.38
